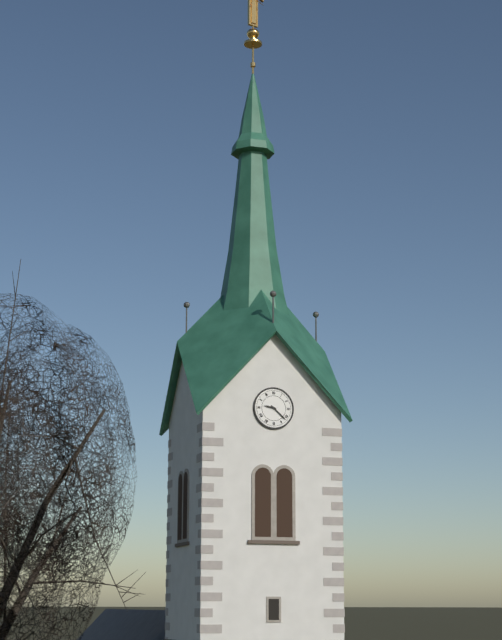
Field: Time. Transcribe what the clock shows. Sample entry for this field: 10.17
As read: 9.22
